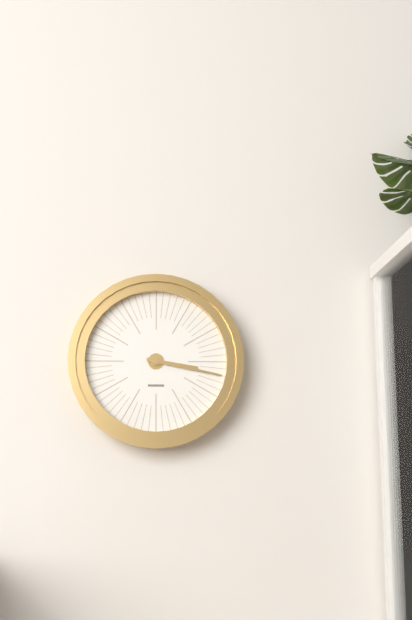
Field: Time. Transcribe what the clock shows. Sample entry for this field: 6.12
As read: 3.17
